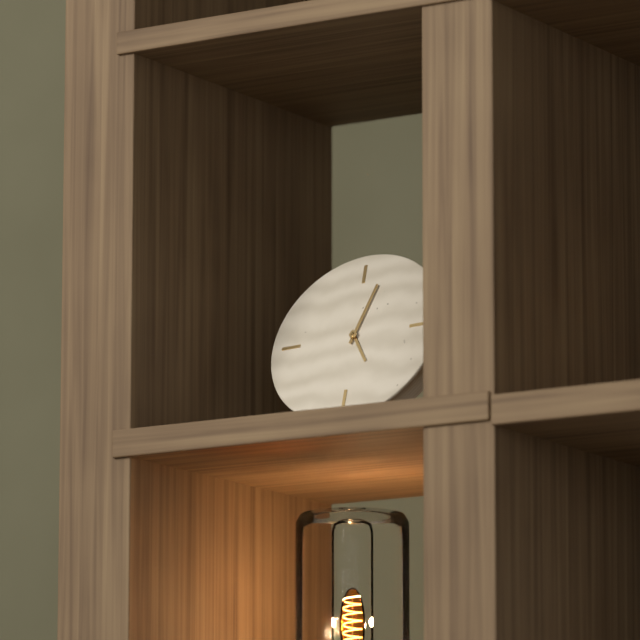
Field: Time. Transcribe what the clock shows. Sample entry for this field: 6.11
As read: 5.03
